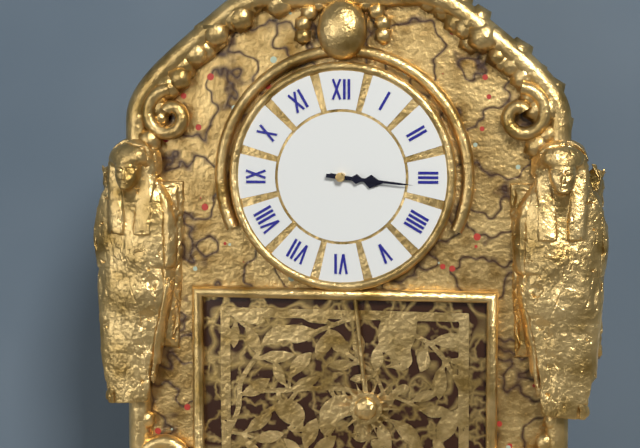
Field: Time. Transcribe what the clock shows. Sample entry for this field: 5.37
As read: 3.16
